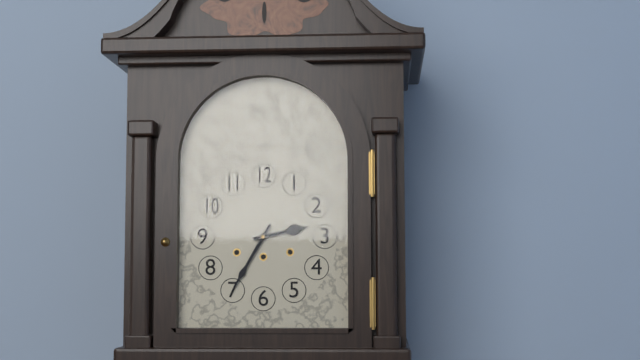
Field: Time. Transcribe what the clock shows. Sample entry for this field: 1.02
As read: 2.35
